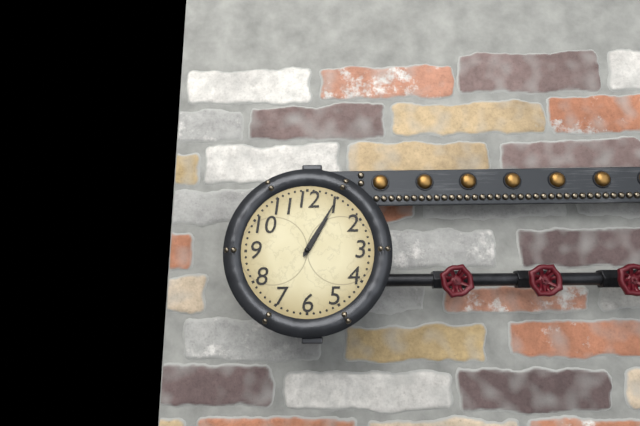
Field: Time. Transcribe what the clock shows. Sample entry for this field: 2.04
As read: 1.05
